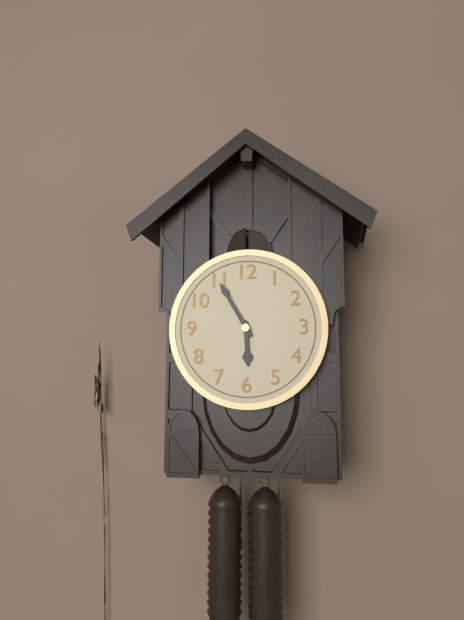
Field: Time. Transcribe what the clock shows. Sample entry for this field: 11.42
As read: 5.55
